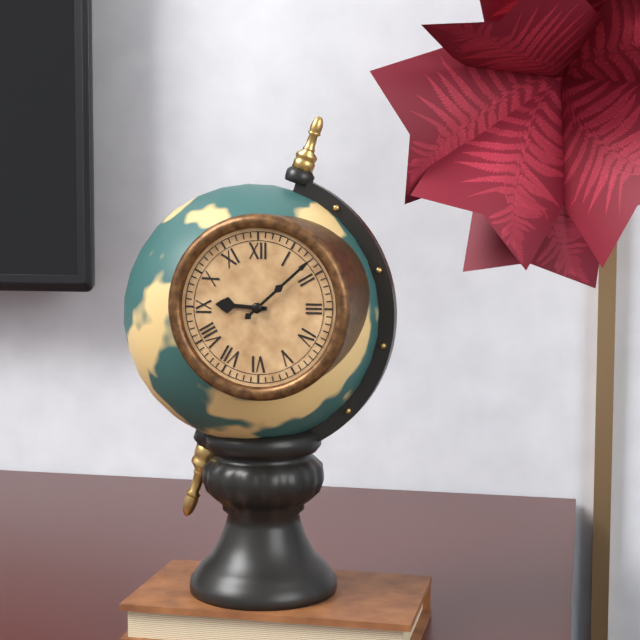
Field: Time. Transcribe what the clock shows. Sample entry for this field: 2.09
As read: 9.08
